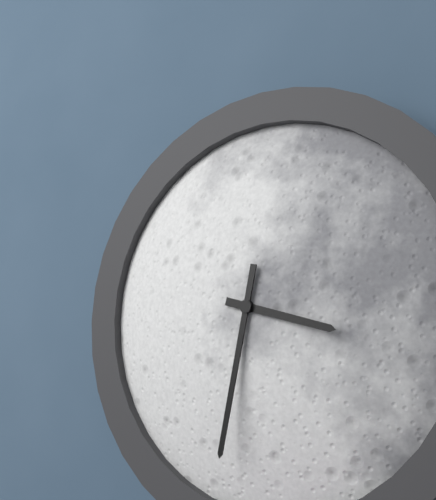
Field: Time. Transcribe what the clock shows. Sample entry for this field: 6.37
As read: 3.32
